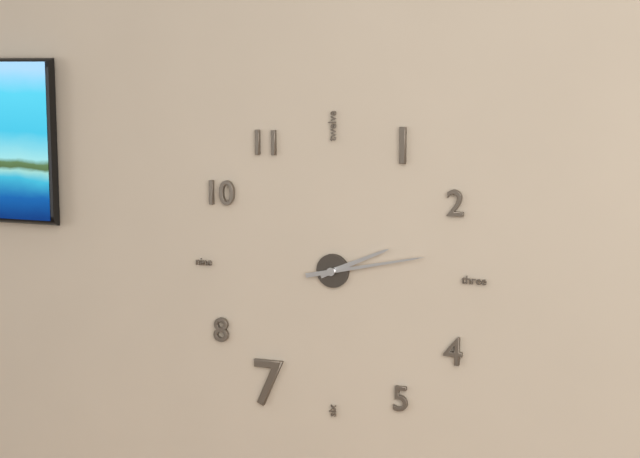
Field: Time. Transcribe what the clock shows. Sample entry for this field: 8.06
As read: 2.13
